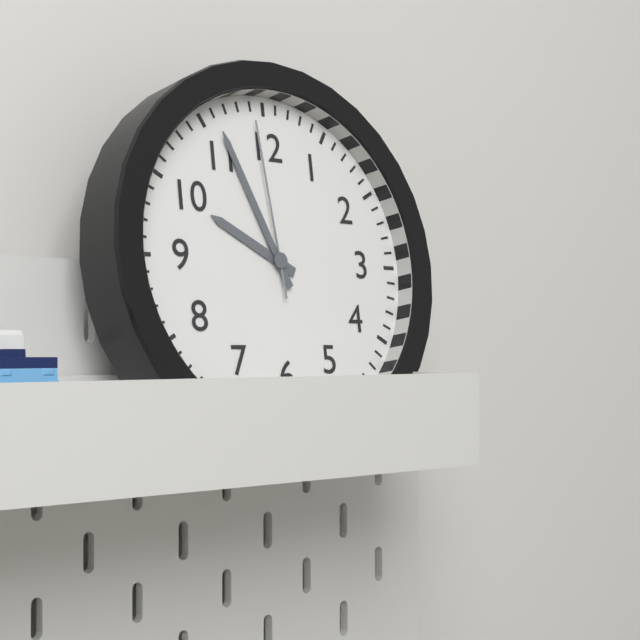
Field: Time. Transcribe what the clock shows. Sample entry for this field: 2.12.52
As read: 9.56.59
